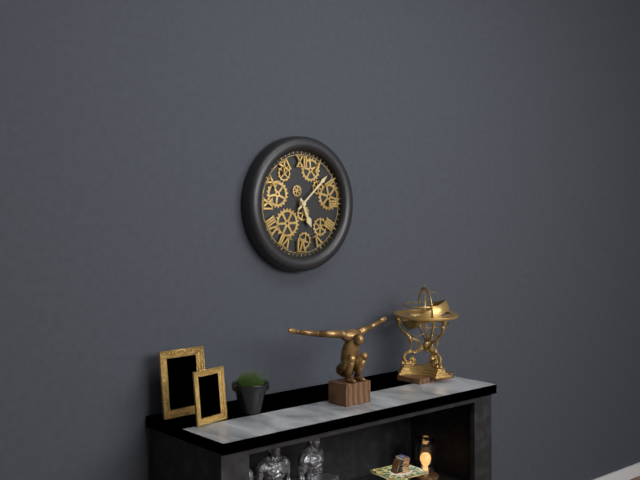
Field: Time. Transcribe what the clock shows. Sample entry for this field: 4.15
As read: 5.08
